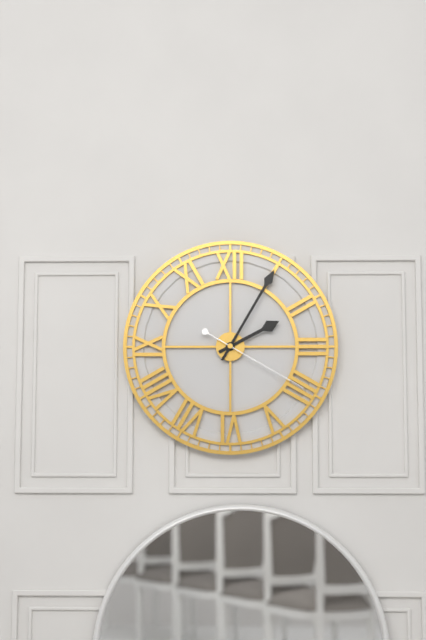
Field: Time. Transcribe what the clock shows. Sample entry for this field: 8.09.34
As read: 2.05.20
